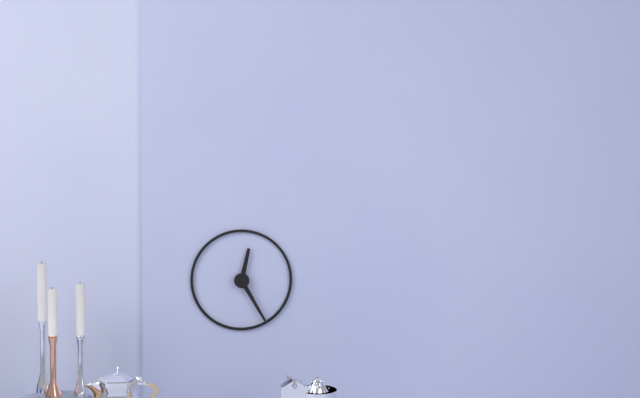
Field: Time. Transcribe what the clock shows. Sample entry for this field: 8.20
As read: 12.25
